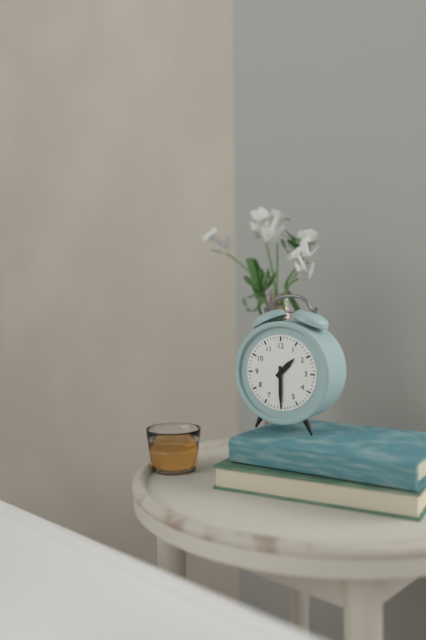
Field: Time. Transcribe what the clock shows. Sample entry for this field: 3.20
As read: 1.30
